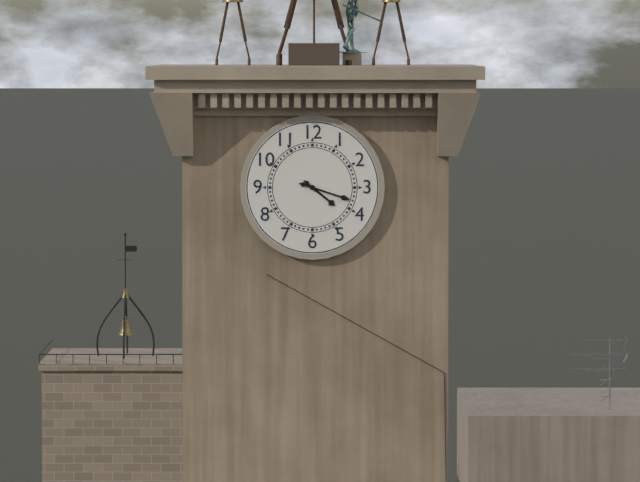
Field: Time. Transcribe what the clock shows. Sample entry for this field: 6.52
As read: 4.18
